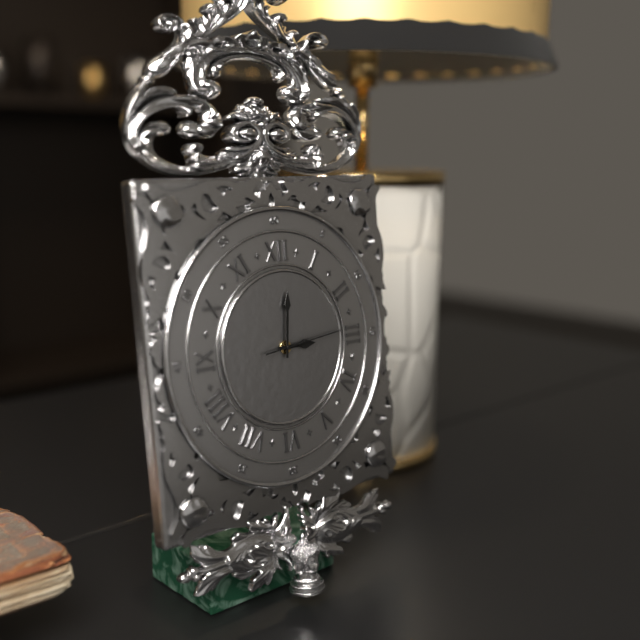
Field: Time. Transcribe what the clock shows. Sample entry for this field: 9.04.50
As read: 3.01.14
